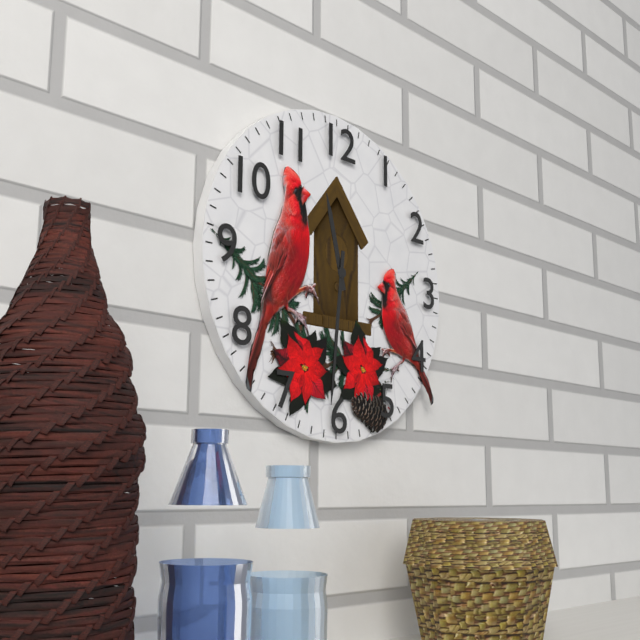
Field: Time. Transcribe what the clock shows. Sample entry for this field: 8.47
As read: 11.31
